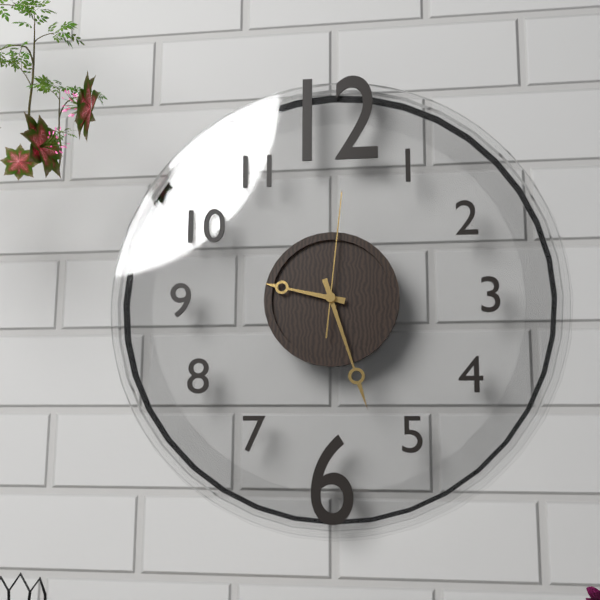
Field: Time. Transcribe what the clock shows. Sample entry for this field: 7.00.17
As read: 9.27.01
